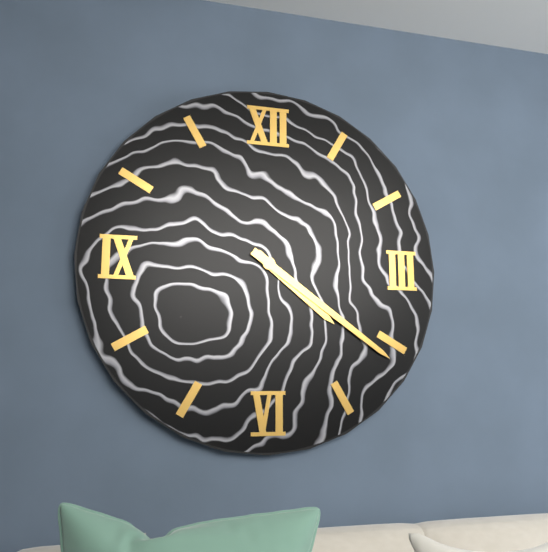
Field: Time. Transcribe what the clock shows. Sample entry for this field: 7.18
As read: 4.21
